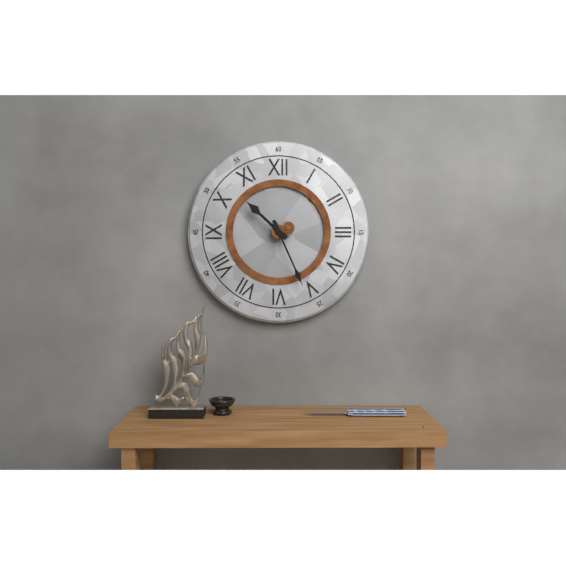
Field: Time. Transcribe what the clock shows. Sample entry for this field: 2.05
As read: 10.26
